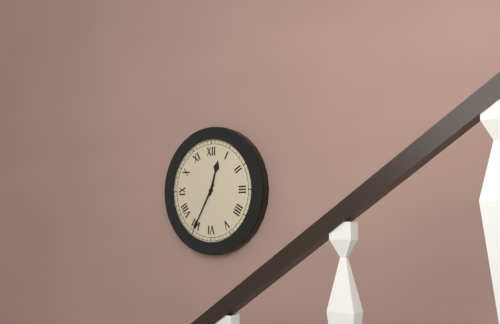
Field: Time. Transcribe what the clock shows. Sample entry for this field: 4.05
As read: 12.35
